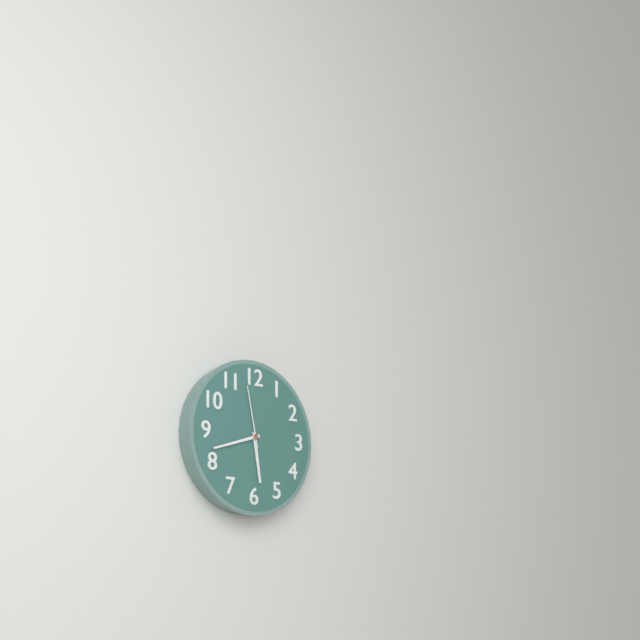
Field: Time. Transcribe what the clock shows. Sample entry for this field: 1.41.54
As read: 5.42.58
